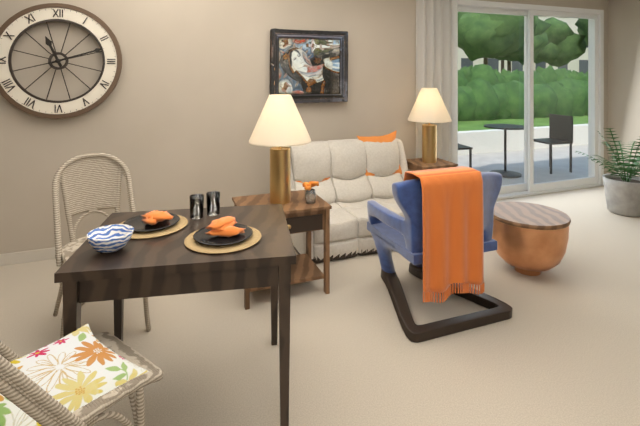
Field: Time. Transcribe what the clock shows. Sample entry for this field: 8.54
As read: 11.12
